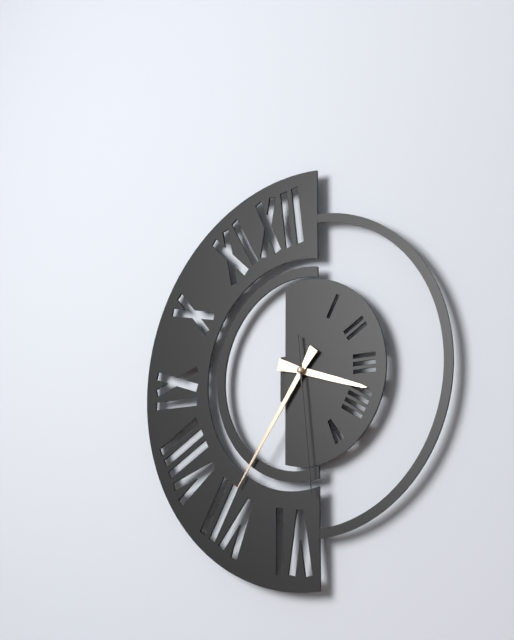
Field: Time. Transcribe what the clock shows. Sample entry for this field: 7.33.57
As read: 3.36.29
